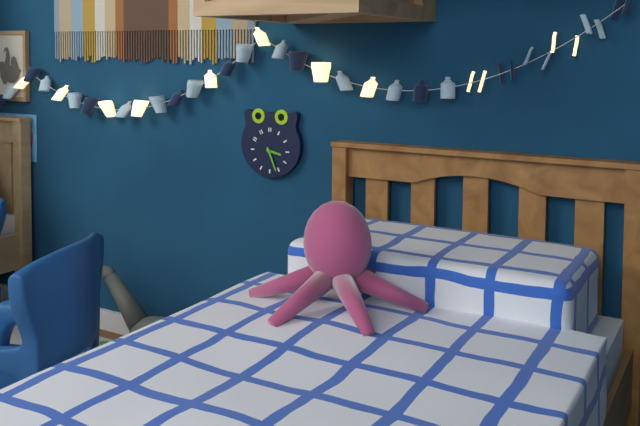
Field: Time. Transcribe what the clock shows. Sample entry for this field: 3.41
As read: 3.26
